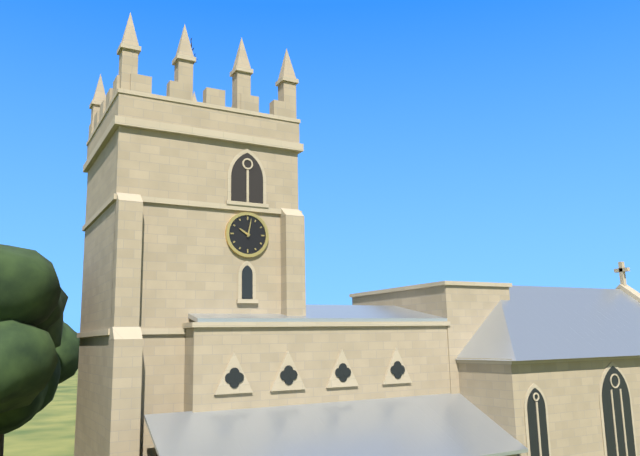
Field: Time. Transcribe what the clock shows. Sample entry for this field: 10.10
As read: 10.02
